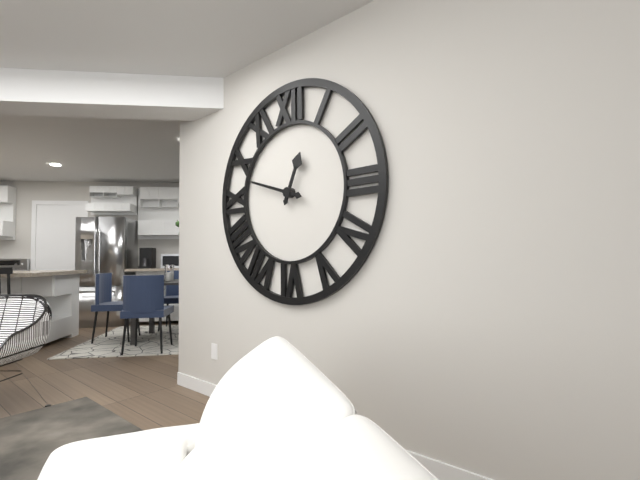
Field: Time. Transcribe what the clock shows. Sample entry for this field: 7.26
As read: 12.48
